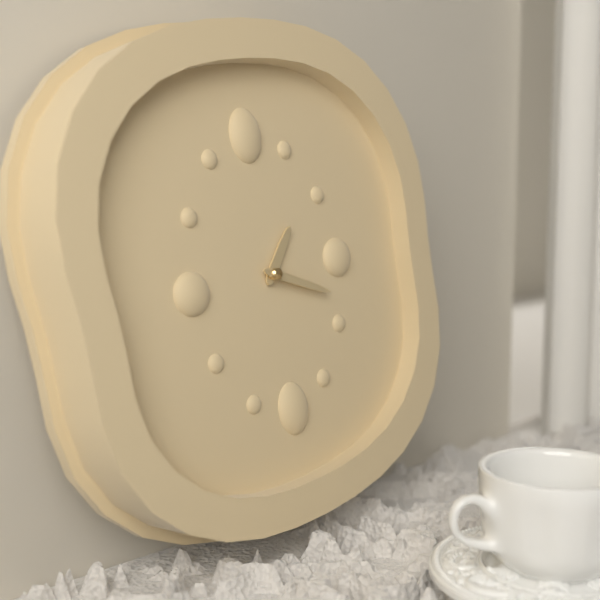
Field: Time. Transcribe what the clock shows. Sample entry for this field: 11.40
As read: 1.19
